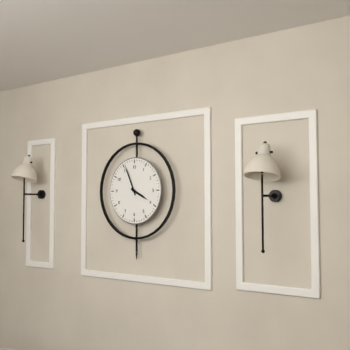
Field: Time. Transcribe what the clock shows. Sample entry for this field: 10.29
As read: 3.56
